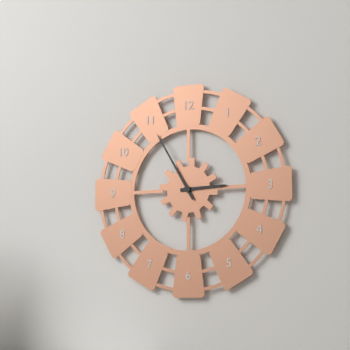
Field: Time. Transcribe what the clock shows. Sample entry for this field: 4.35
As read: 2.55
